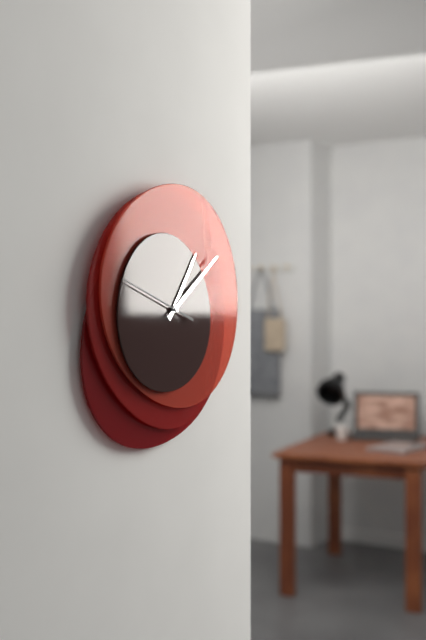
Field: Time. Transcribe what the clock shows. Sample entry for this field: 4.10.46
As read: 1.09.48
